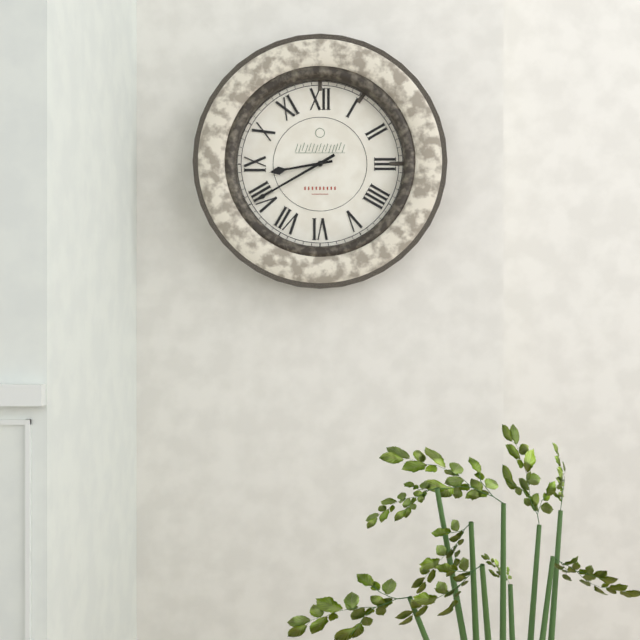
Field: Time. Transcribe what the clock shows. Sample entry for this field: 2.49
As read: 8.40
